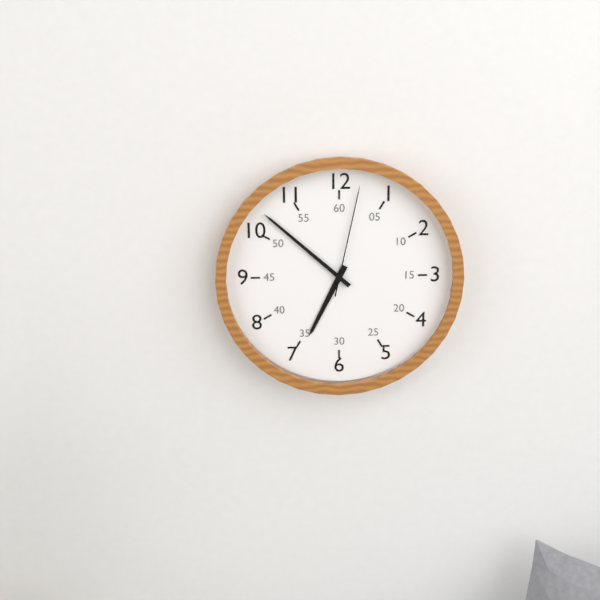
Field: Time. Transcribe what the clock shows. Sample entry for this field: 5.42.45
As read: 6.52.02
